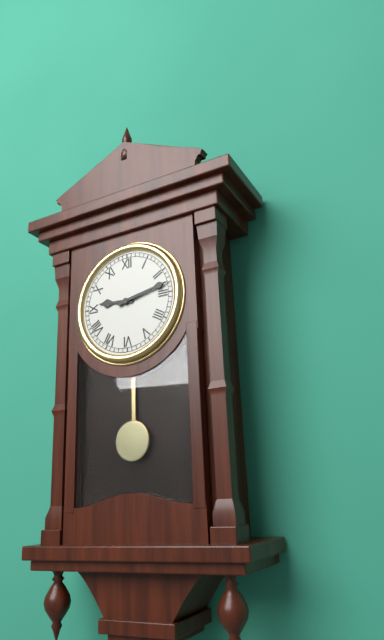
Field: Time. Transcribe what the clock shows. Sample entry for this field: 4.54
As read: 9.13
